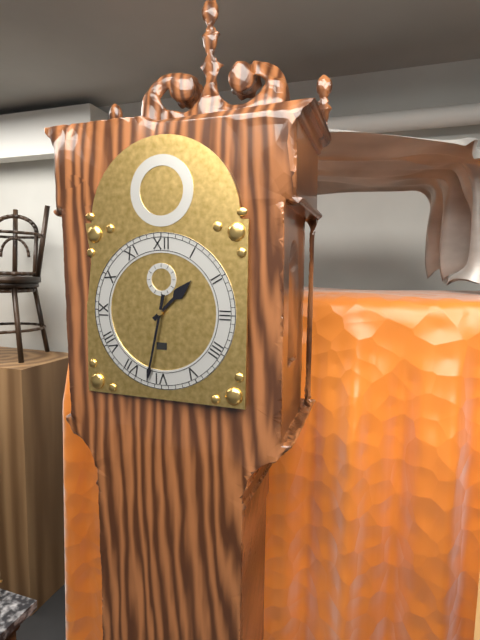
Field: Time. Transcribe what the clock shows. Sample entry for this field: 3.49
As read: 1.32
